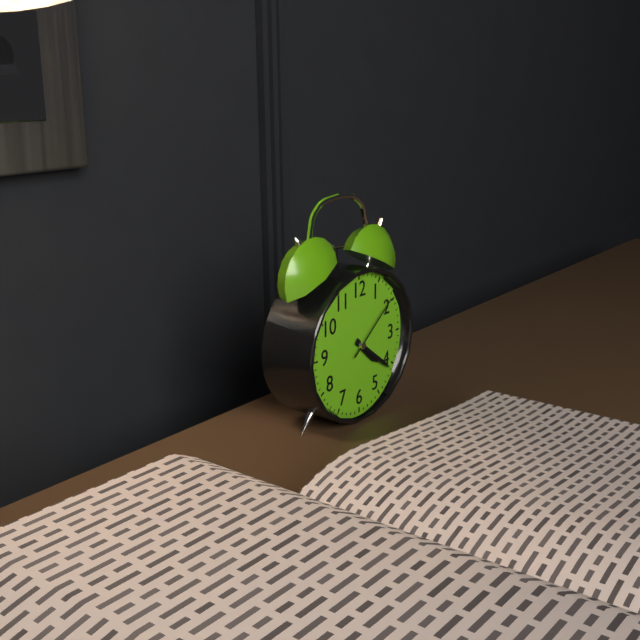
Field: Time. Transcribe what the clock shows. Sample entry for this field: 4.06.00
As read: 4.21.09
